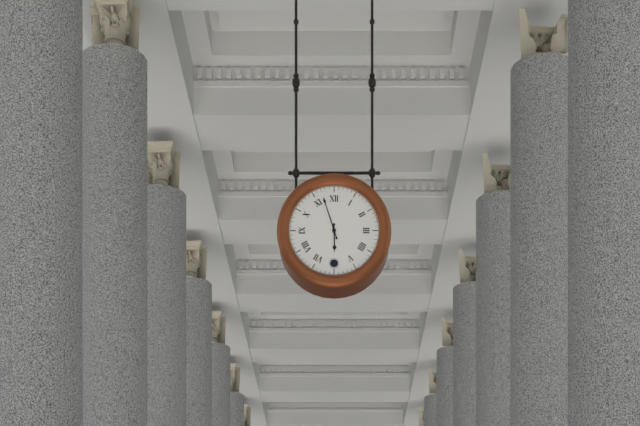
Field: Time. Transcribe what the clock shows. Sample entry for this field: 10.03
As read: 5.57
